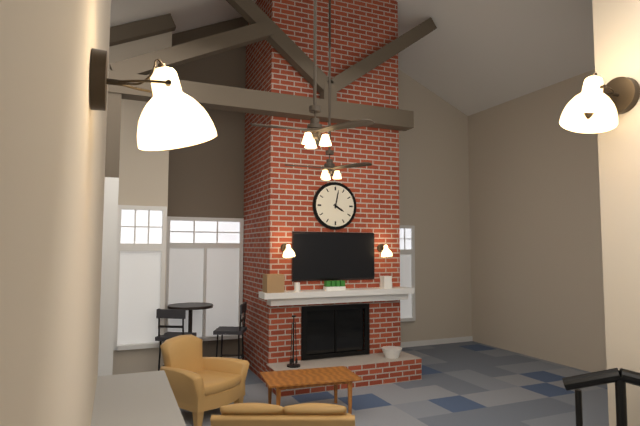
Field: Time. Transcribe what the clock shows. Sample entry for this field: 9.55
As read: 4.02
